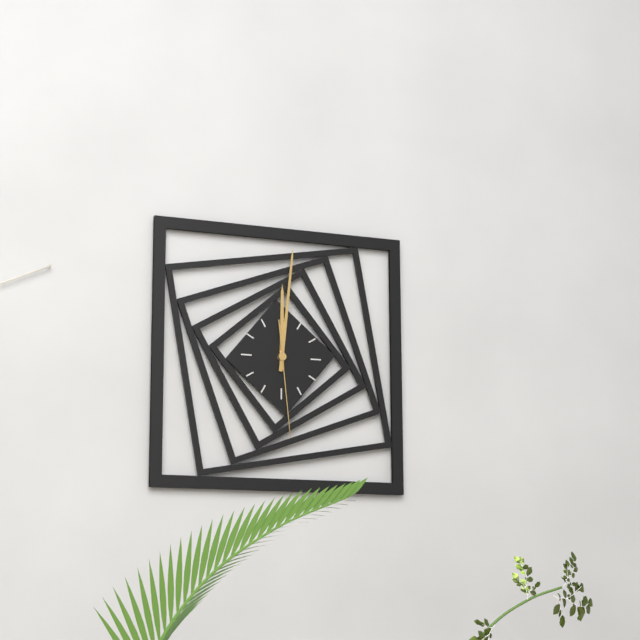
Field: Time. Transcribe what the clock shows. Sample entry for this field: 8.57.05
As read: 12.01.29
